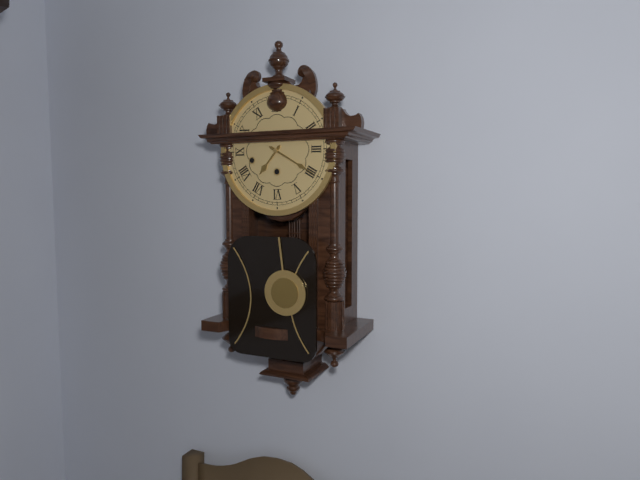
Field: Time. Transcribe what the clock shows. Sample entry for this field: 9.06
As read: 7.20
